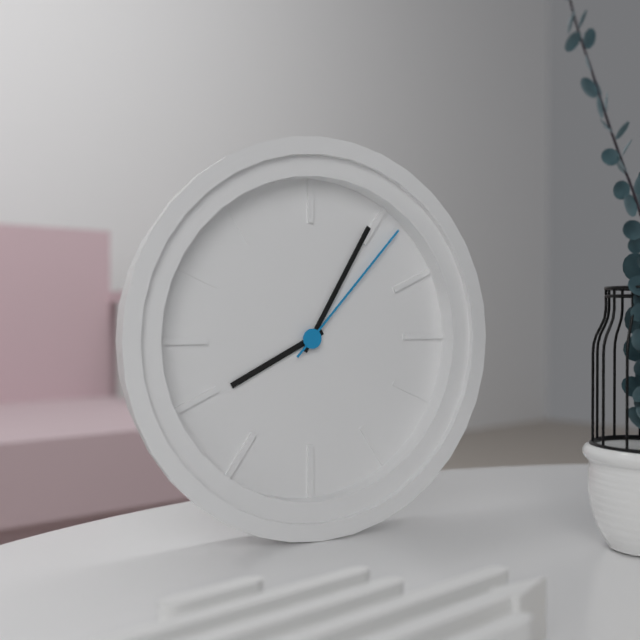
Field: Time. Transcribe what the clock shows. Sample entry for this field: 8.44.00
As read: 8.05.07
